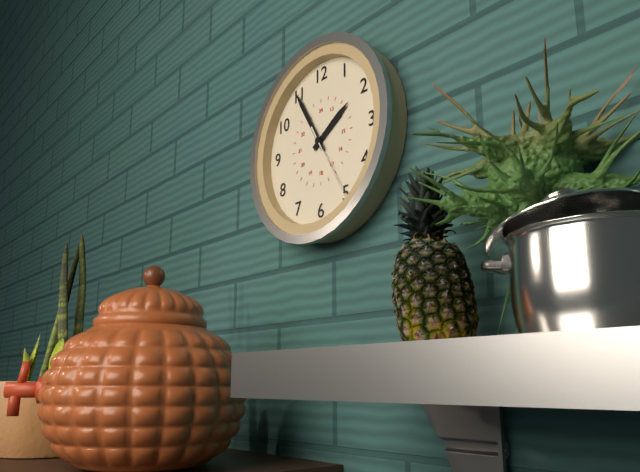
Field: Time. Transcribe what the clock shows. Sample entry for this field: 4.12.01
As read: 1.55.25
